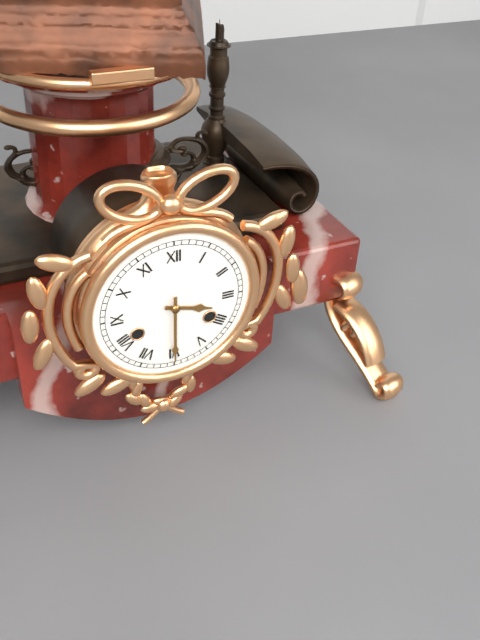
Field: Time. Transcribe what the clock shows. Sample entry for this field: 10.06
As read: 3.30
